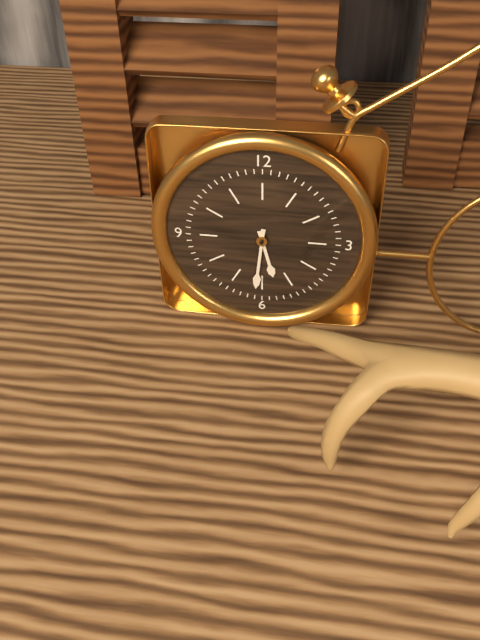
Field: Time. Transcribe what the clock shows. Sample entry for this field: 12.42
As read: 5.31
